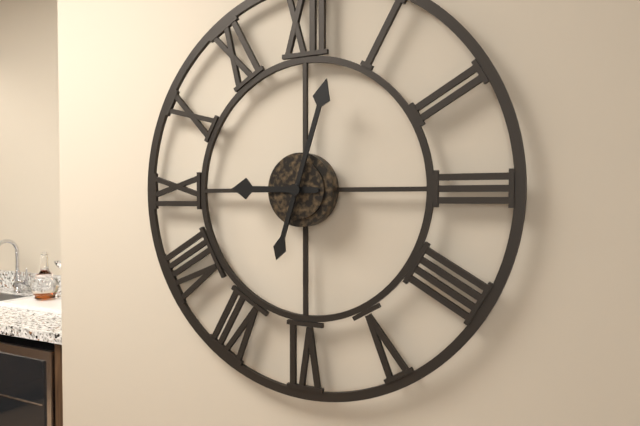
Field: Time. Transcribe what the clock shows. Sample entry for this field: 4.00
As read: 9.03
